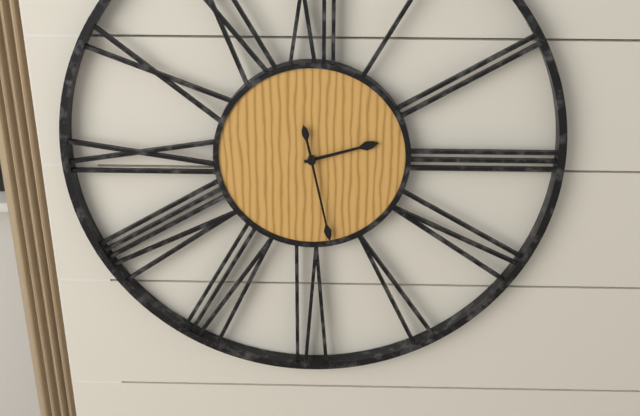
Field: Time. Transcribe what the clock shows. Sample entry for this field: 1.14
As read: 2.28
